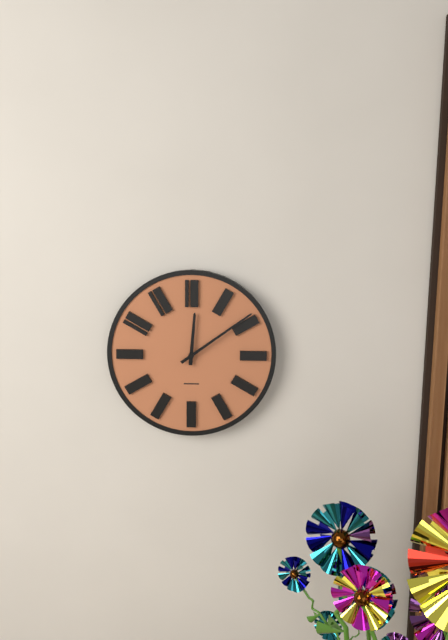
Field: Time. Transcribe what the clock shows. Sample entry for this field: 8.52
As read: 12.09
